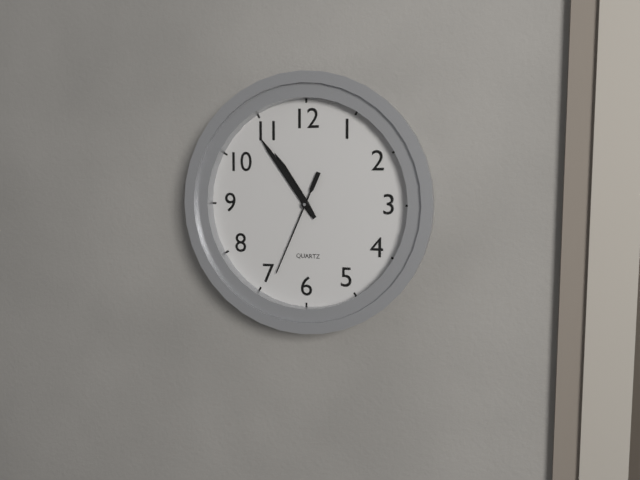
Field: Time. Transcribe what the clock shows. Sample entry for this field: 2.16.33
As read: 10.54.34
